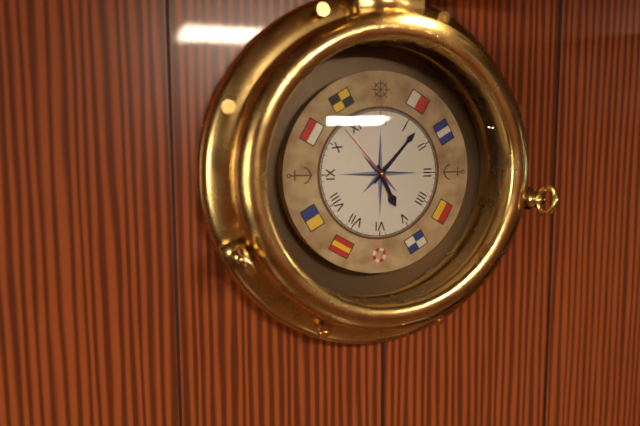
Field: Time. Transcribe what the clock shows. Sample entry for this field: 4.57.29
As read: 5.07.53
